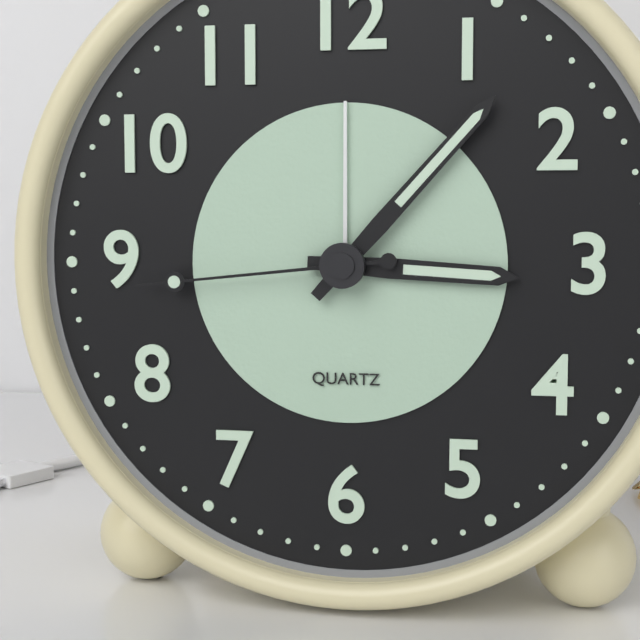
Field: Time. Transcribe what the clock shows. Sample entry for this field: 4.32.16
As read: 3.07.44
